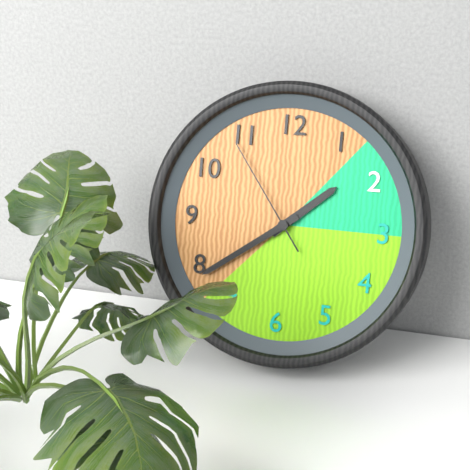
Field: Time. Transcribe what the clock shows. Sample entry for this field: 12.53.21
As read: 1.39.54
